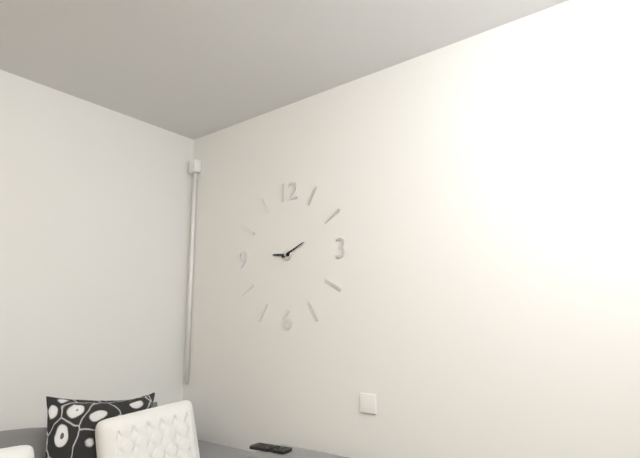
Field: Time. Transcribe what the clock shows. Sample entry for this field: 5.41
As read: 9.11
